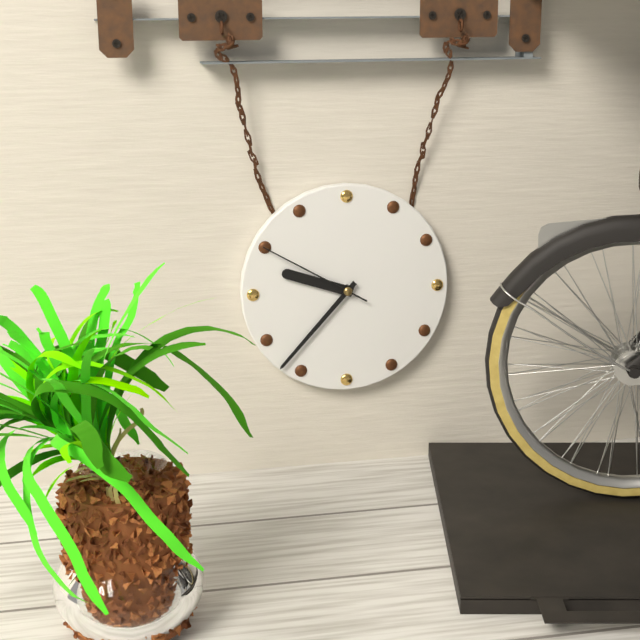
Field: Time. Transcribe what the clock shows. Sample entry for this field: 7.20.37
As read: 9.37.50
